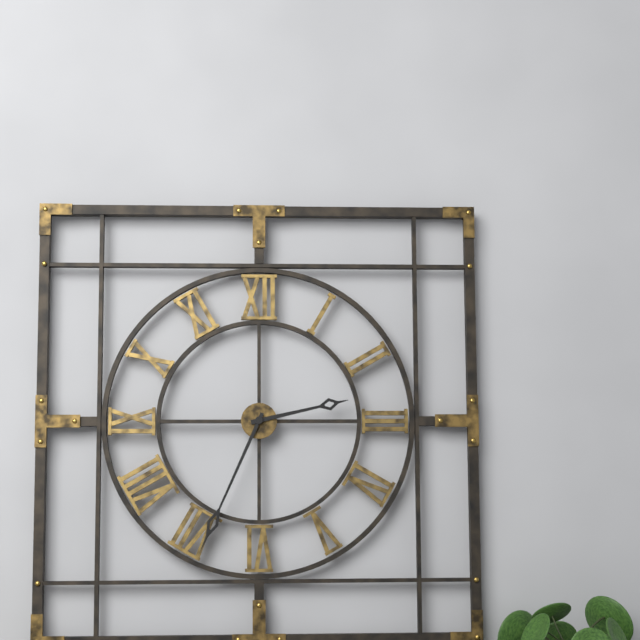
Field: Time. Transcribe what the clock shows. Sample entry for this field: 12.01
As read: 2.34
